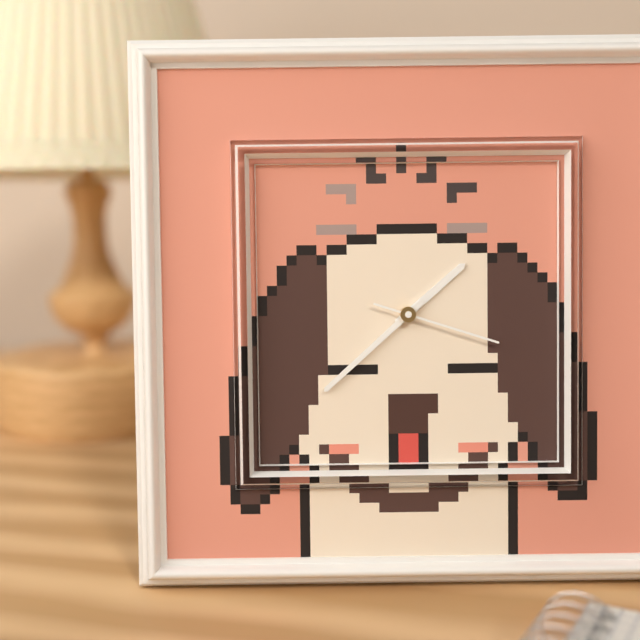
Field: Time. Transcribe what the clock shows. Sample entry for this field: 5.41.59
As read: 1.38.18
